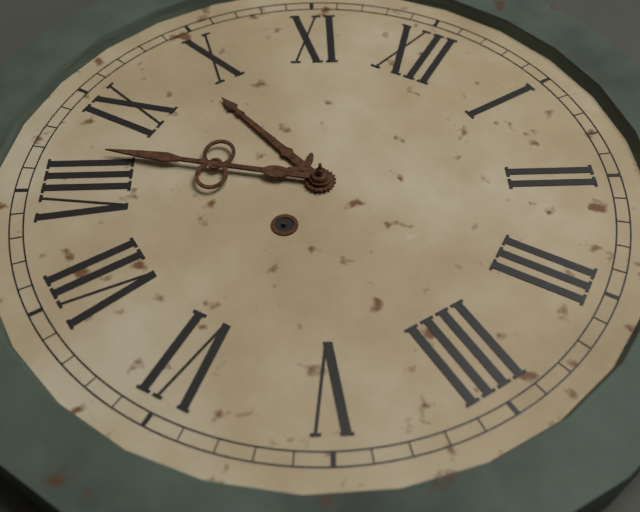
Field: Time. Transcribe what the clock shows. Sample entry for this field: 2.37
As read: 9.42
